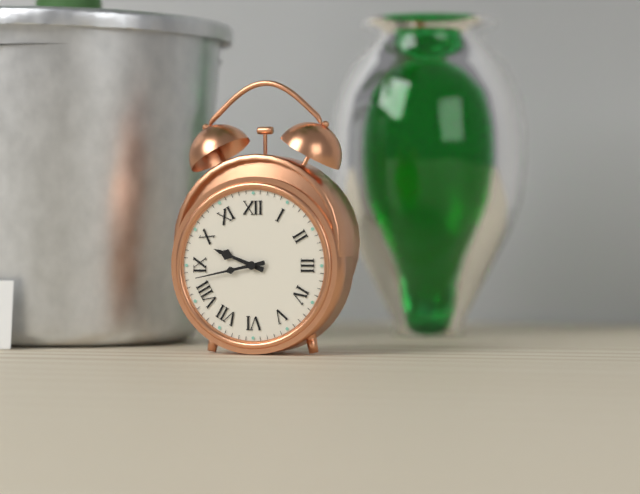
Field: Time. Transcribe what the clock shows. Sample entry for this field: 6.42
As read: 9.43
